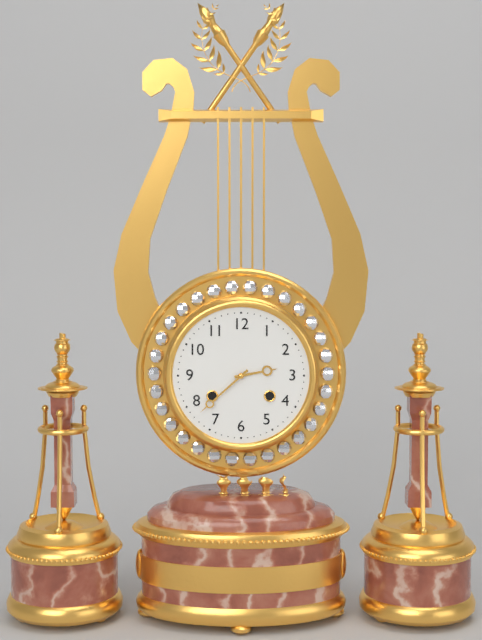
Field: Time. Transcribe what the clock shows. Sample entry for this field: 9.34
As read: 2.38
